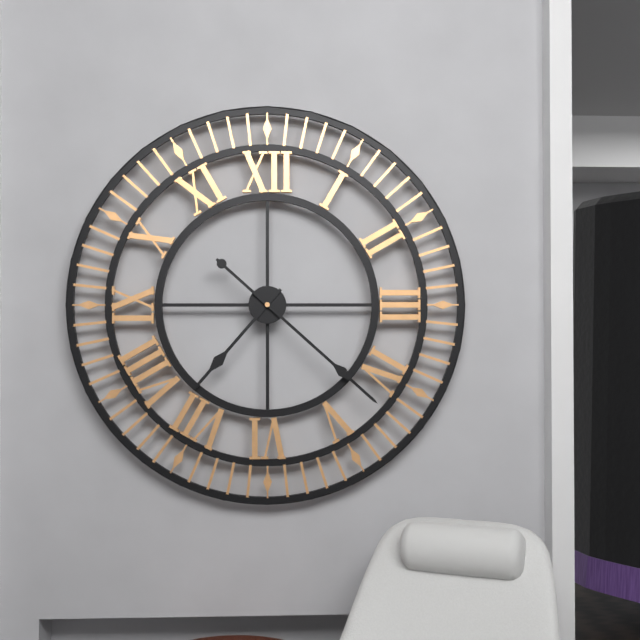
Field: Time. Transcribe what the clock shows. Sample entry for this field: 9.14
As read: 7.22
